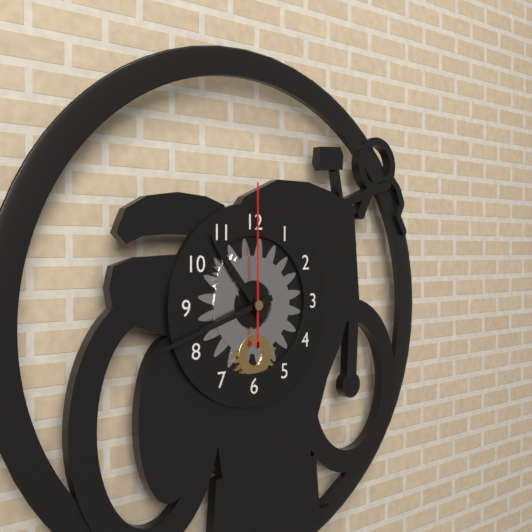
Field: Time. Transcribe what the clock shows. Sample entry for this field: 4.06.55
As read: 10.42.00
